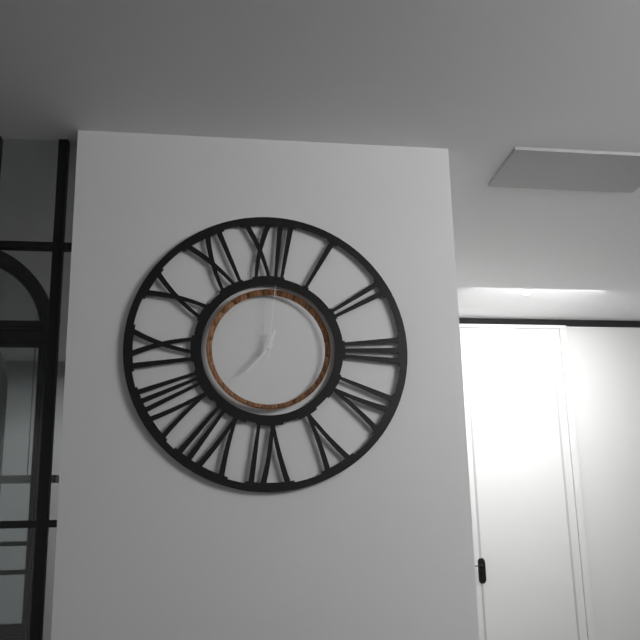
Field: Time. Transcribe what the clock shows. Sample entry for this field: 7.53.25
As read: 12.37.01
